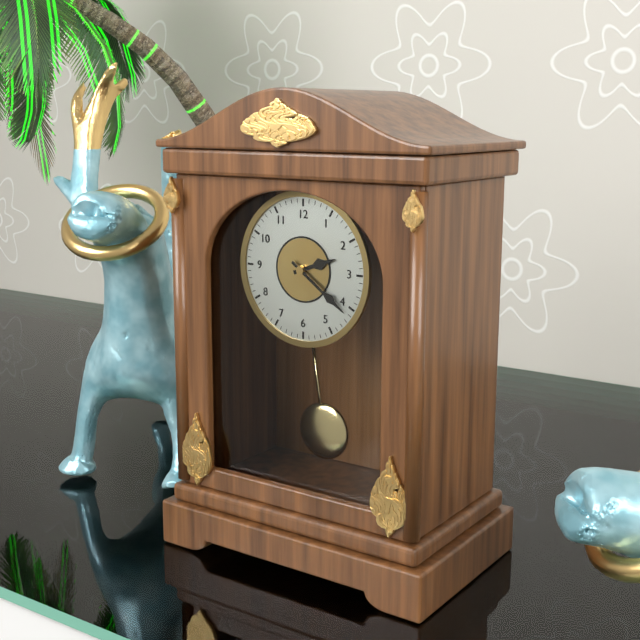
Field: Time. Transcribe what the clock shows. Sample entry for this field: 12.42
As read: 2.21
